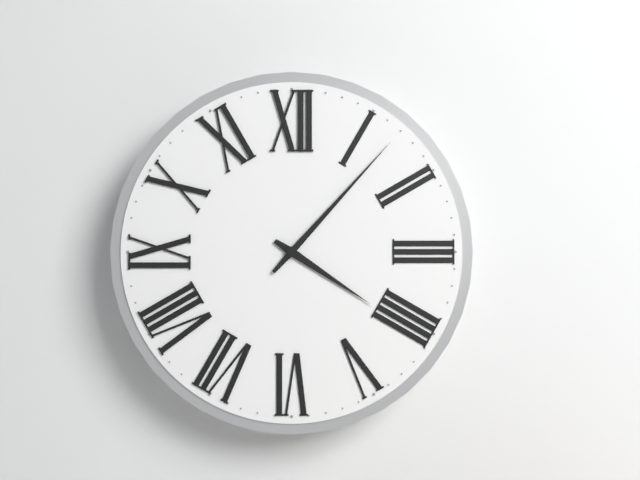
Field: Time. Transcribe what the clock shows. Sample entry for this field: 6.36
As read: 4.07
